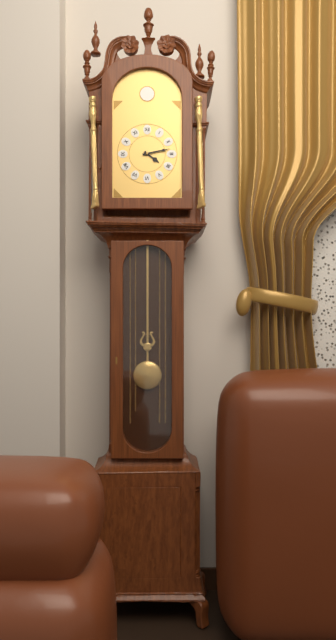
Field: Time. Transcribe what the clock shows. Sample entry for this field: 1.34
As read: 4.13
